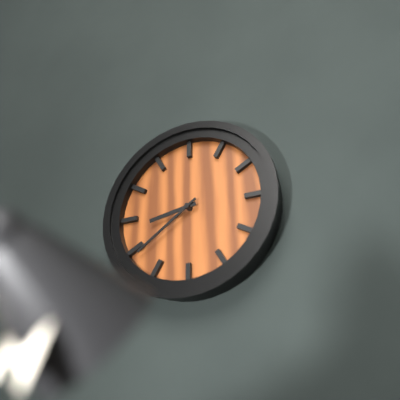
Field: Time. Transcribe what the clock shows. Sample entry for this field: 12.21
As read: 8.39
